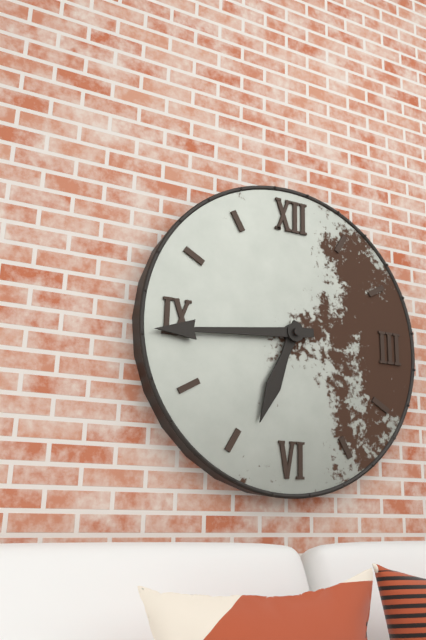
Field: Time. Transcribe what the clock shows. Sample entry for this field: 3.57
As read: 6.44
